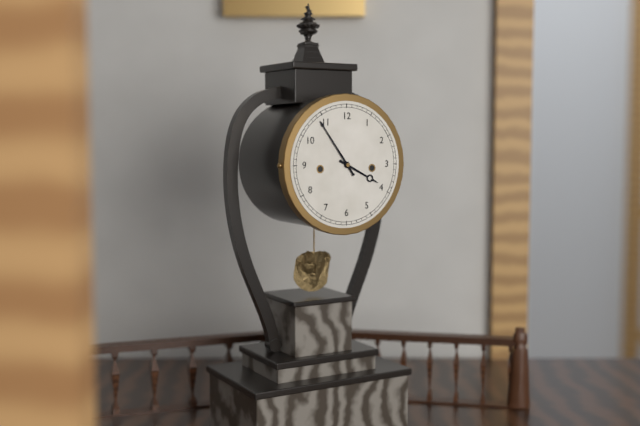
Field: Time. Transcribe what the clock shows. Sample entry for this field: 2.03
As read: 3.54
